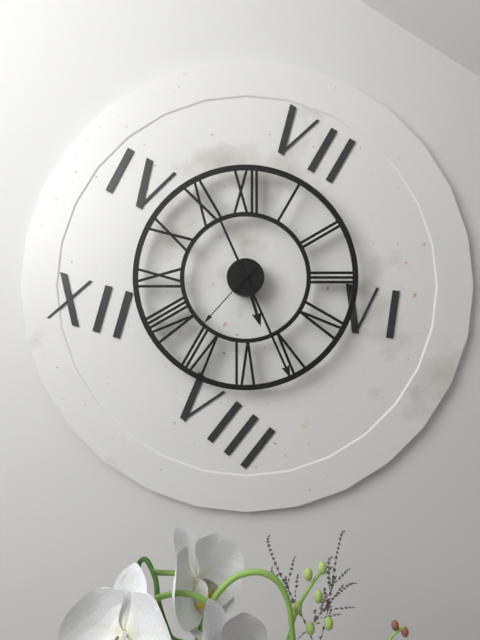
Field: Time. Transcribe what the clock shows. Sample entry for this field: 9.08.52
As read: 5.26.37
